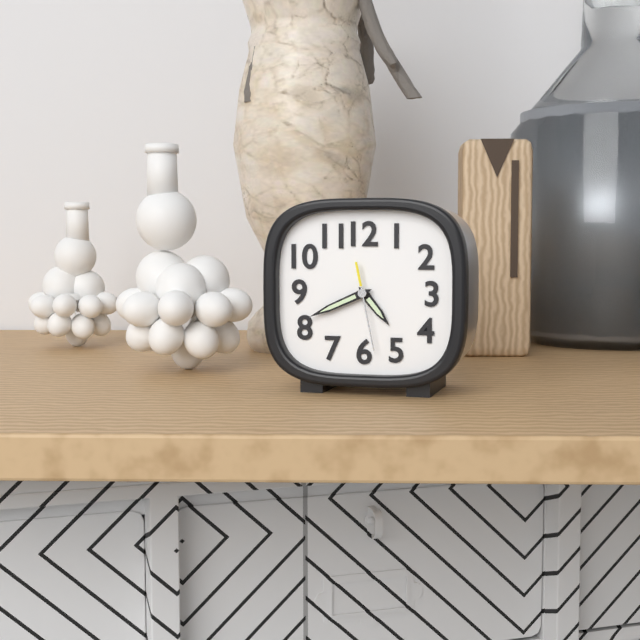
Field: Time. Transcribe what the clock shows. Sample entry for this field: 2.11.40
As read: 4.41.28
